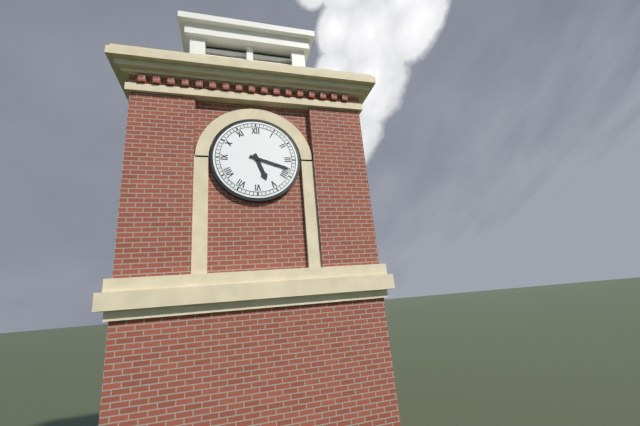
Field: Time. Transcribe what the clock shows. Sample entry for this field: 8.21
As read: 5.18
